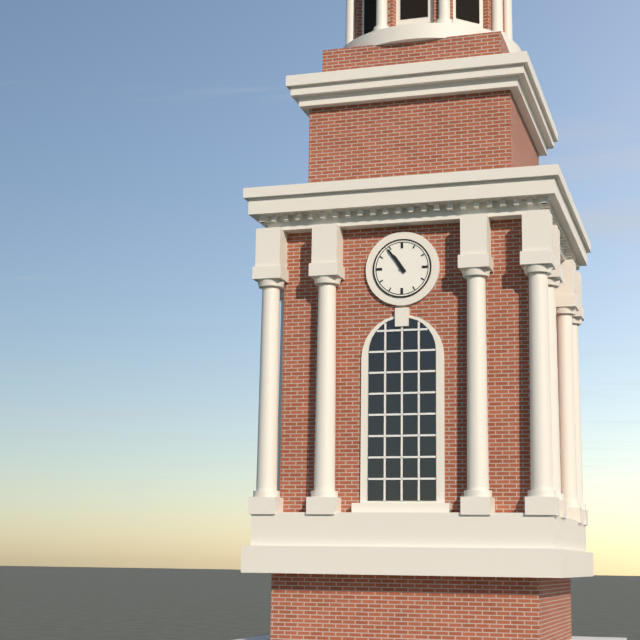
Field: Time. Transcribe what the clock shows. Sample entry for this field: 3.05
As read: 10.54
